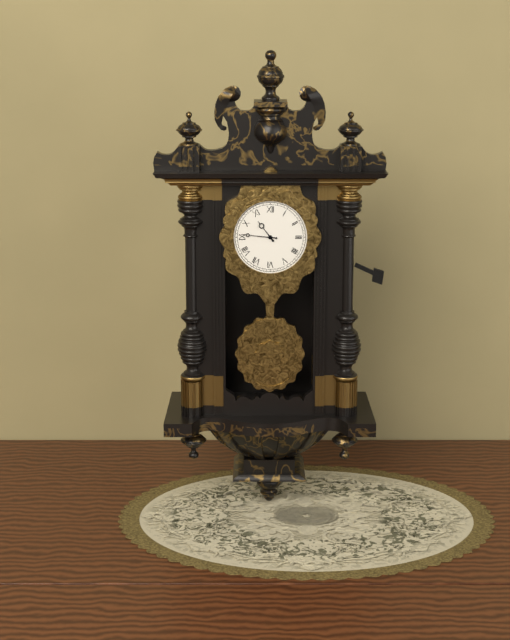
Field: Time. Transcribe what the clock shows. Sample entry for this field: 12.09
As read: 10.46
